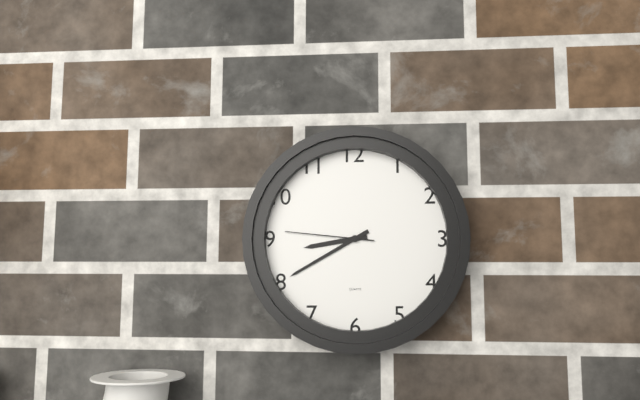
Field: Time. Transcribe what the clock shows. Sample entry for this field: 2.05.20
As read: 8.40.46
